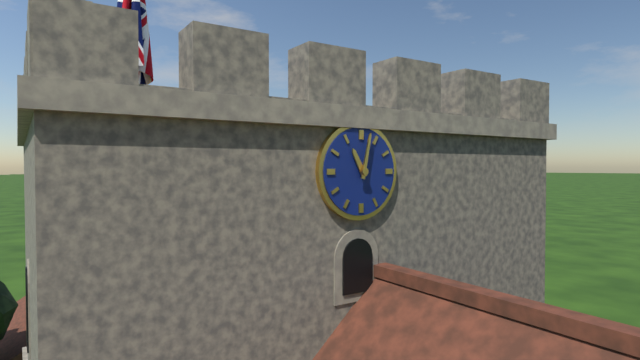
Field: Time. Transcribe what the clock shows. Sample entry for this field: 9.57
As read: 11.02
